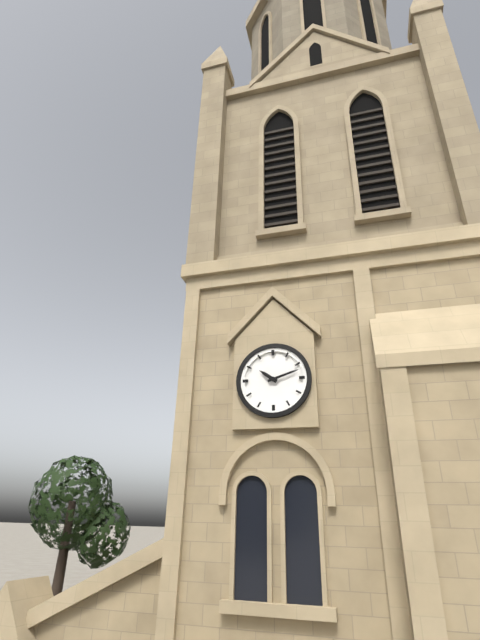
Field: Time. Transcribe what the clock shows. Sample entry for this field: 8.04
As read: 10.12
